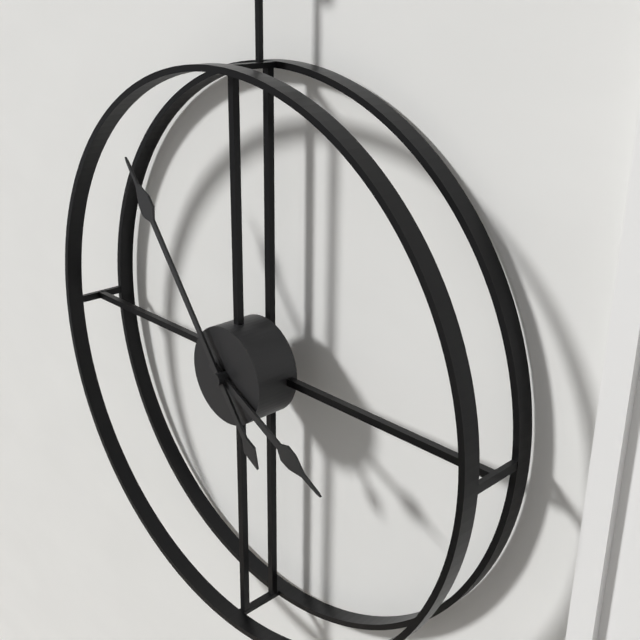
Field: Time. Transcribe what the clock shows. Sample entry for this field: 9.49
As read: 3.54
